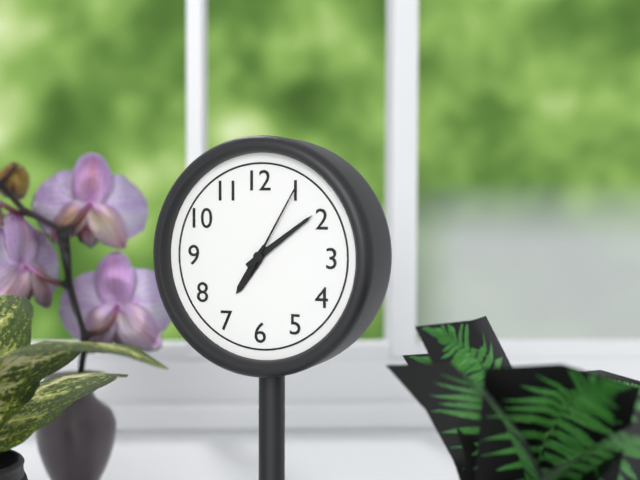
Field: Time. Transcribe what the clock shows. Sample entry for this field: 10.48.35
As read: 7.09.05
